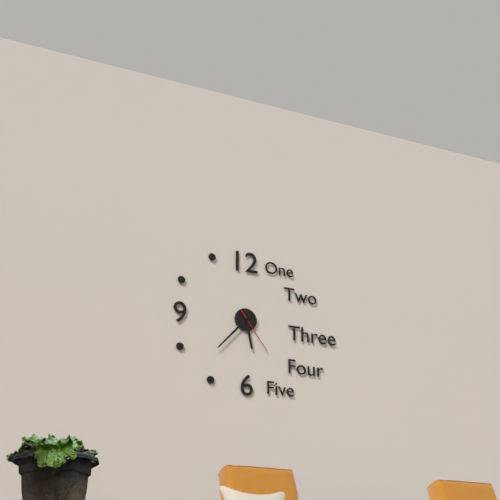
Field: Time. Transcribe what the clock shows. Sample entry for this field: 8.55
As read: 5.37
